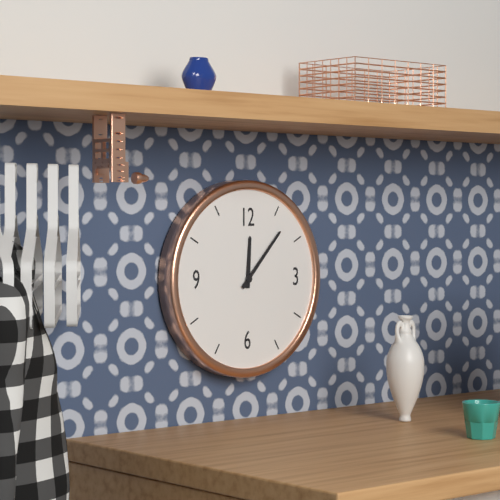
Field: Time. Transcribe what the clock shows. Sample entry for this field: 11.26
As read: 12.07
